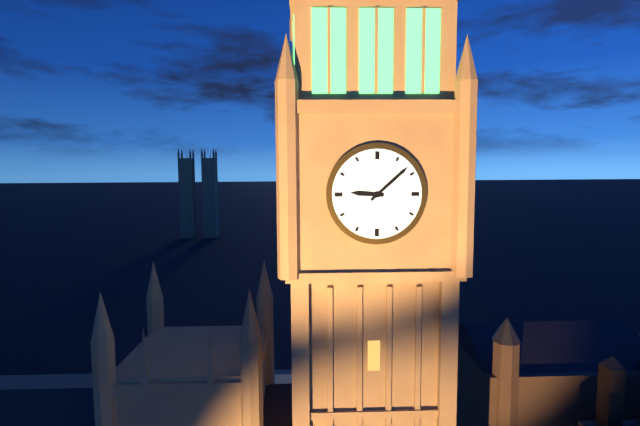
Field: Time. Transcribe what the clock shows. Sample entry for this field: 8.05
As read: 9.08
